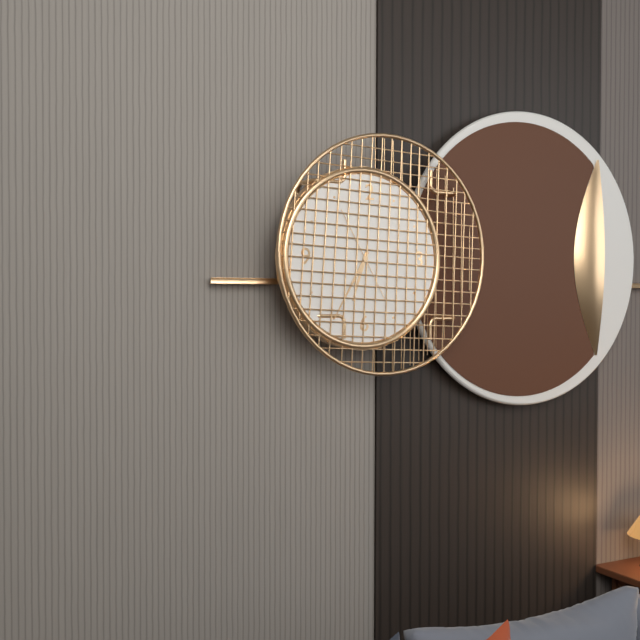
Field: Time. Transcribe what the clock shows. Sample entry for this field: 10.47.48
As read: 6.35.55
